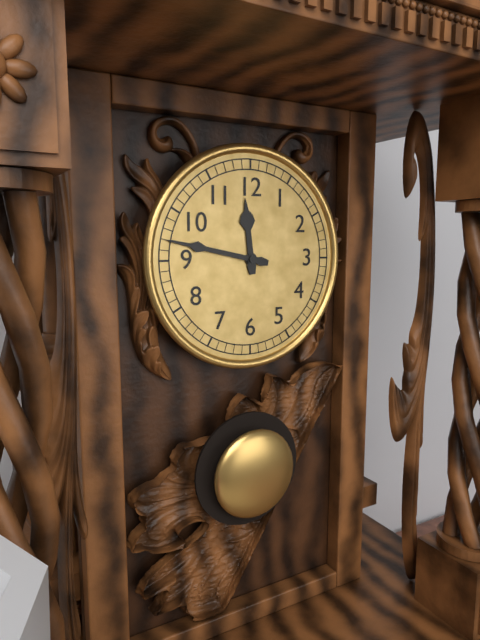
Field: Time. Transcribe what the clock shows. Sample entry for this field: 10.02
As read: 11.47
